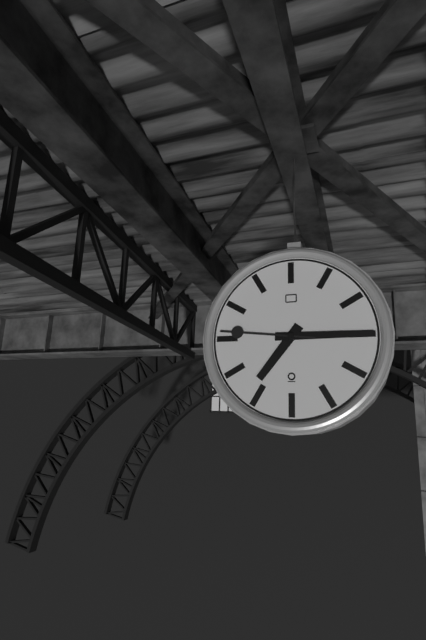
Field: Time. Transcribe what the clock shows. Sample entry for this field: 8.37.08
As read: 7.15.46
